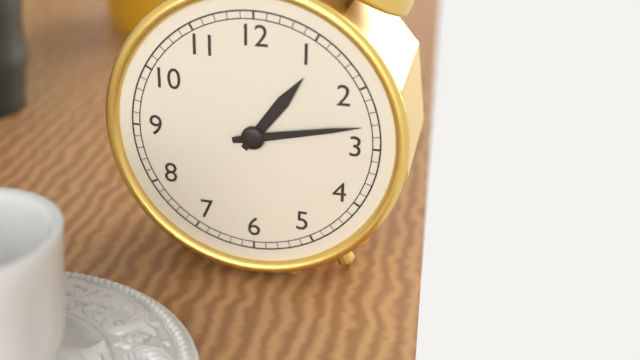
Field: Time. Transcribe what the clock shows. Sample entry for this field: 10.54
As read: 1.13
